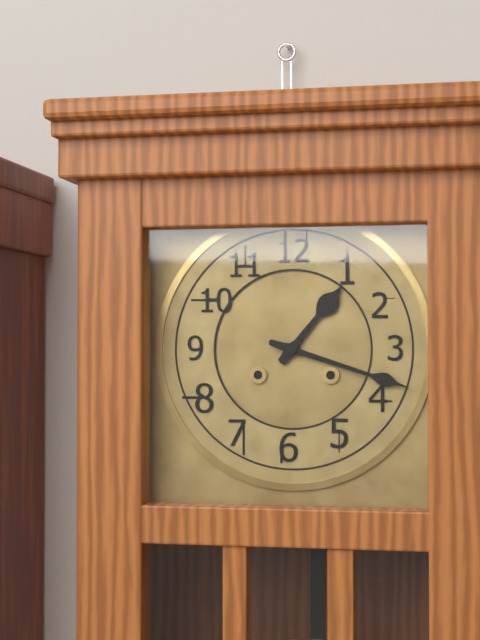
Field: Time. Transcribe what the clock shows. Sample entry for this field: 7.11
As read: 1.18
